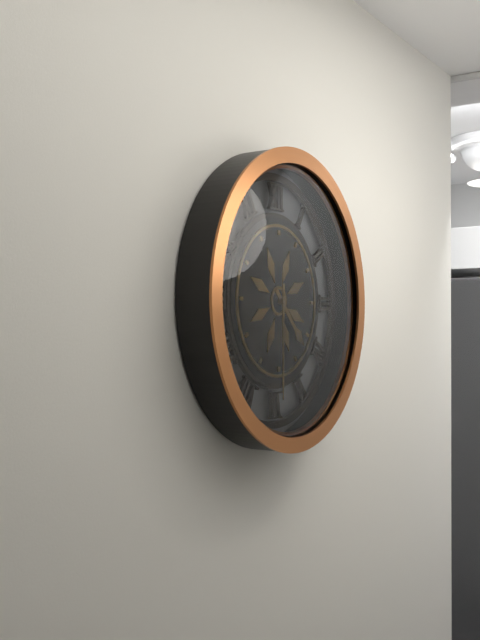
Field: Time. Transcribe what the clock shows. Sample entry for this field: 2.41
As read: 4.30
